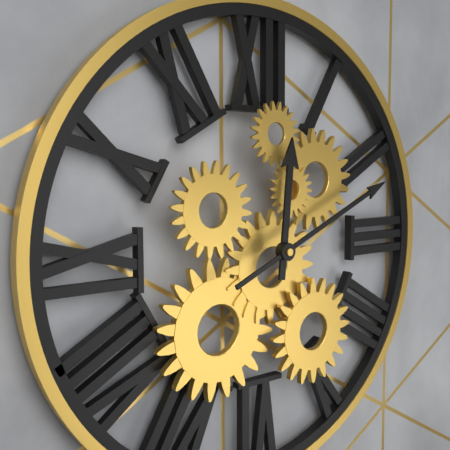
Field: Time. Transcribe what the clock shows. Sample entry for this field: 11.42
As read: 12.11
